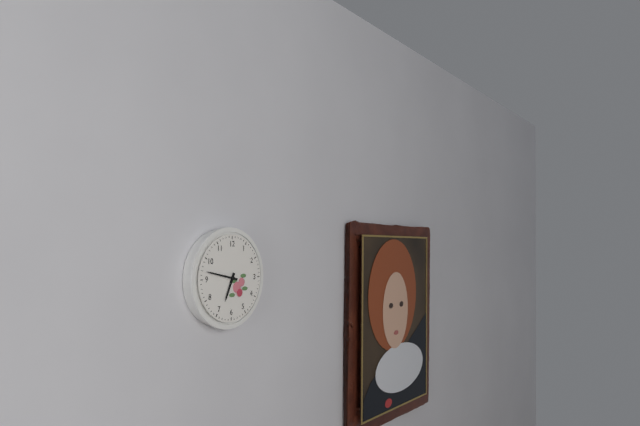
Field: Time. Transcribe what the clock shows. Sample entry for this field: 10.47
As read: 6.47
